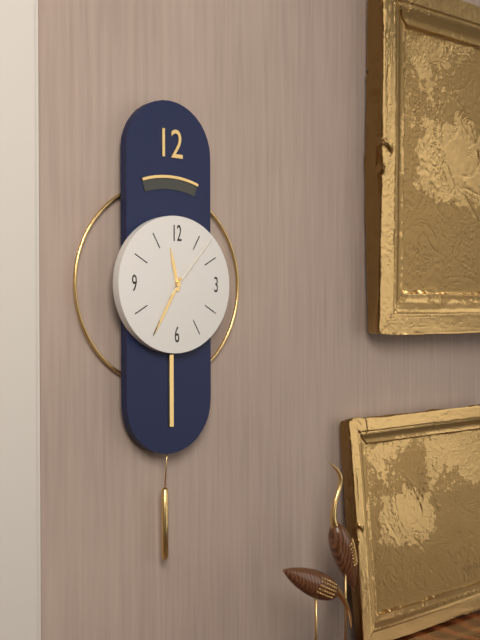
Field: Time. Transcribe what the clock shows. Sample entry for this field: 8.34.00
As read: 11.35.07
